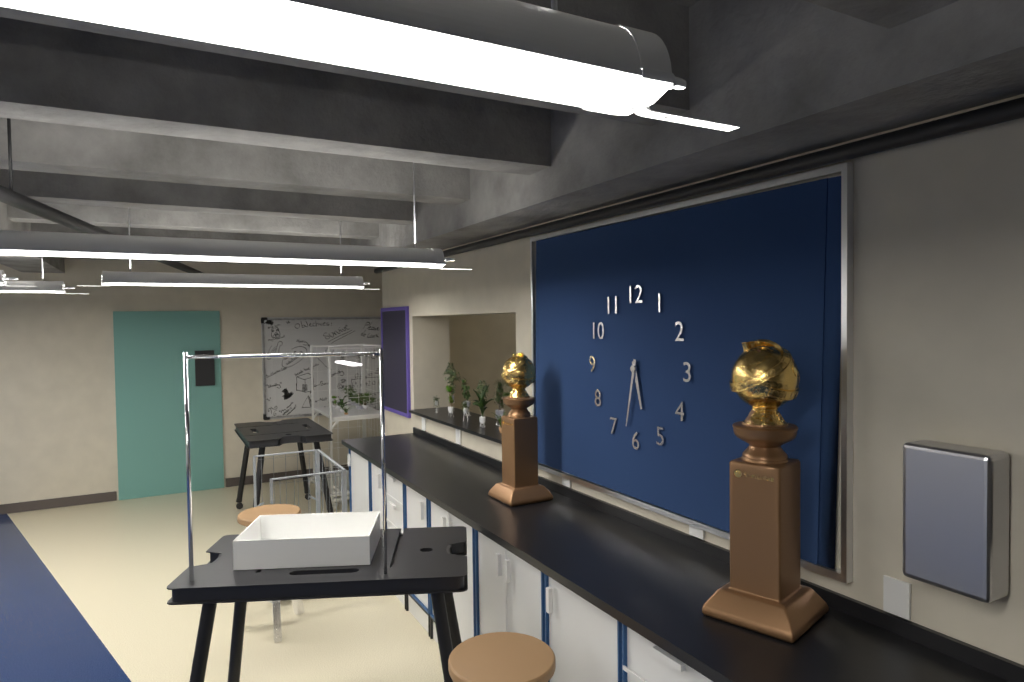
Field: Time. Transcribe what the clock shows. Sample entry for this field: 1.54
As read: 5.32
